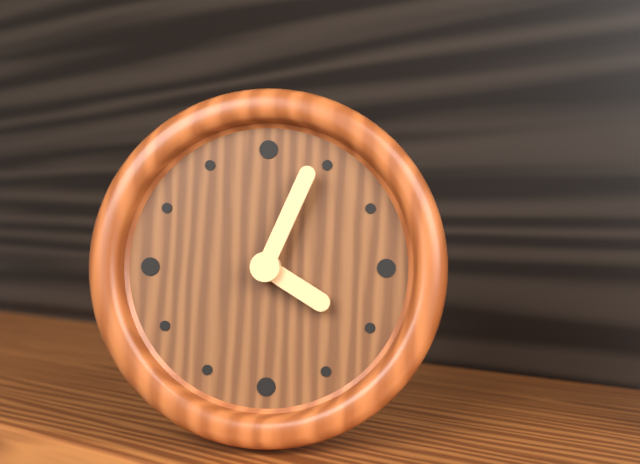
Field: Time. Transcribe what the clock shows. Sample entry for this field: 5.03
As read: 4.04
